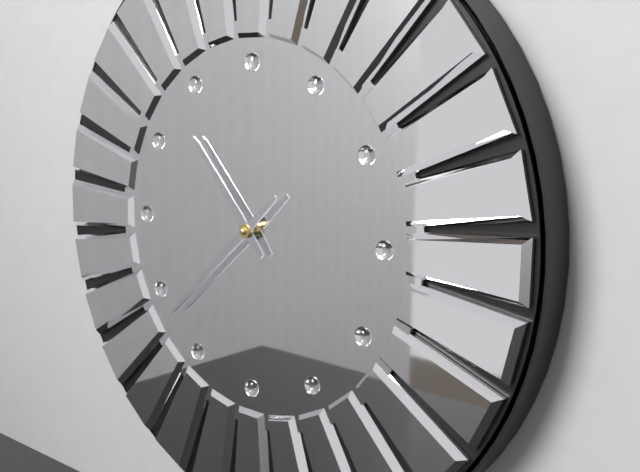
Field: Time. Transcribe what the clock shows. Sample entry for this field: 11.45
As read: 10.38
